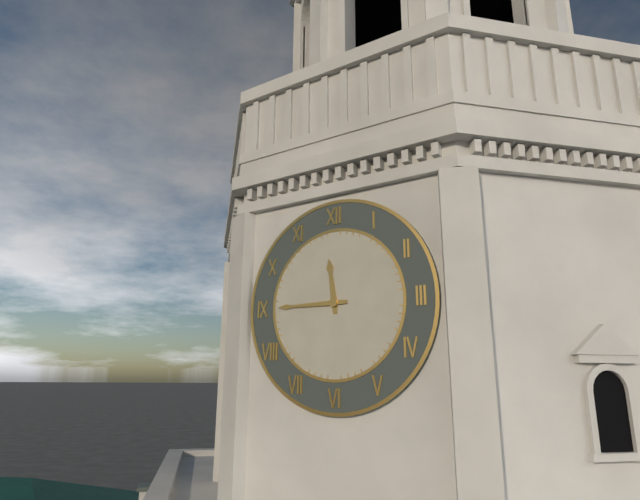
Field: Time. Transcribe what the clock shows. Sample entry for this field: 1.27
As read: 11.45
